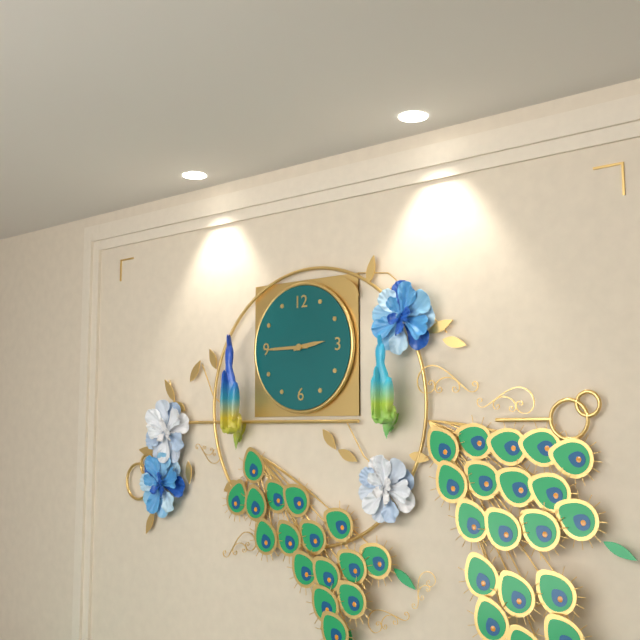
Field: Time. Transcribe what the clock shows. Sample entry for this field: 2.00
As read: 2.45
